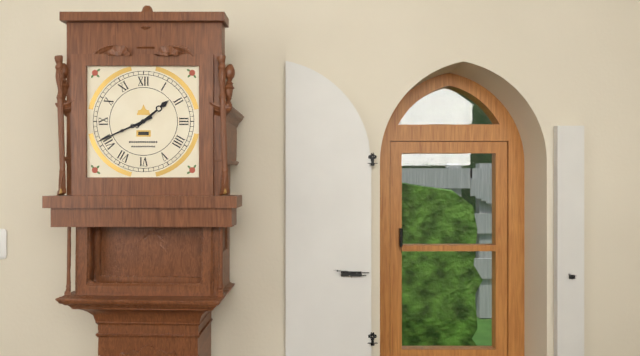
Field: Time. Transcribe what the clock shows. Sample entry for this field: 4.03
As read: 1.41
